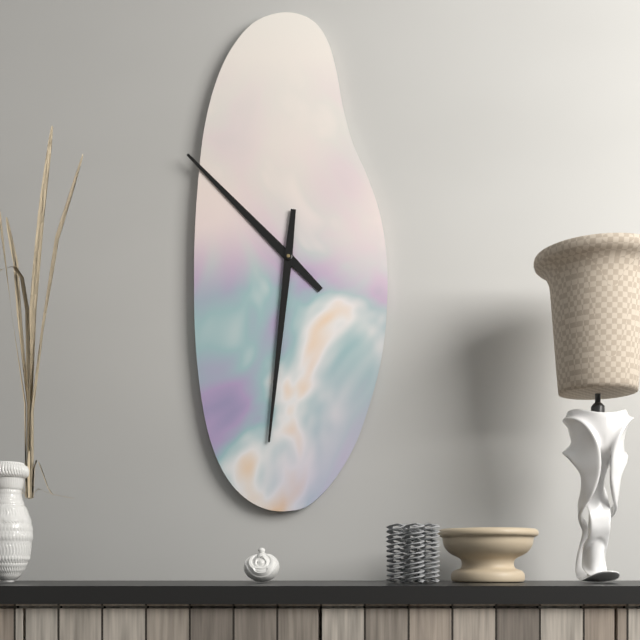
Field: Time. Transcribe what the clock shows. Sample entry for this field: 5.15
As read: 10.31
